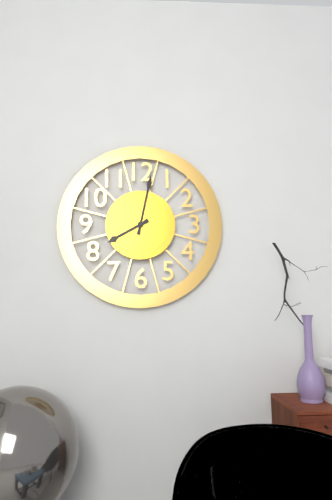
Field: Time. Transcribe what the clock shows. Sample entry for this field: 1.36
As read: 8.02
